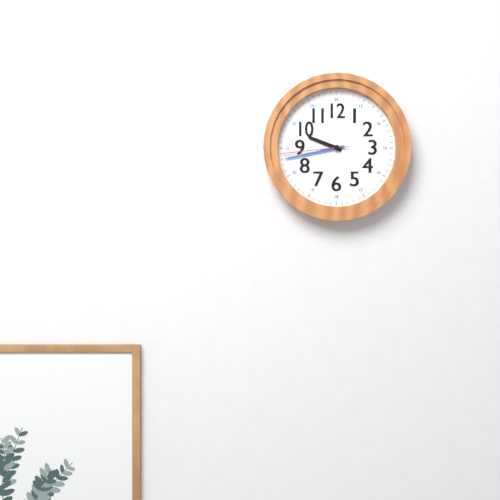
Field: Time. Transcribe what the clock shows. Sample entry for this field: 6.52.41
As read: 9.43.44
